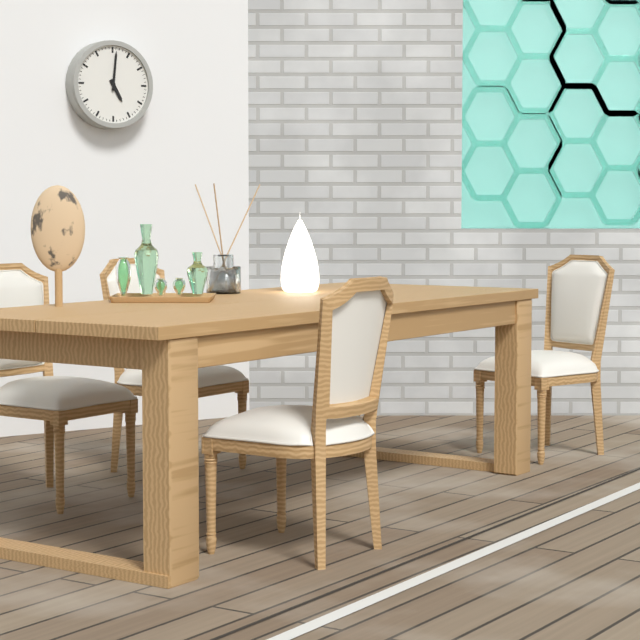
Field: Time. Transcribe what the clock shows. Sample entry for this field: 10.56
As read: 5.01
